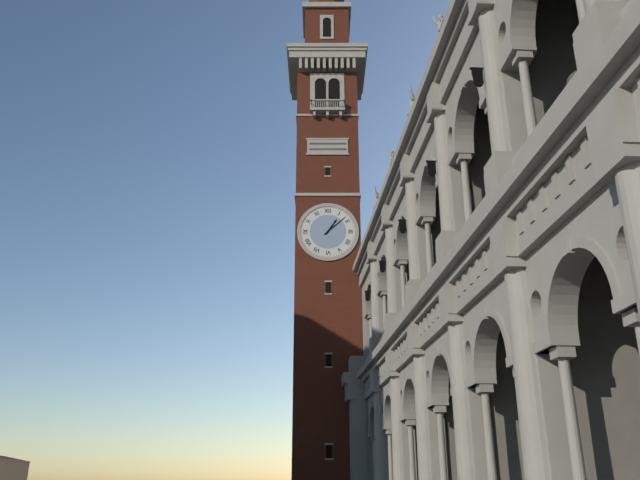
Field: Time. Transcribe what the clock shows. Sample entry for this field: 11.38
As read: 1.08
